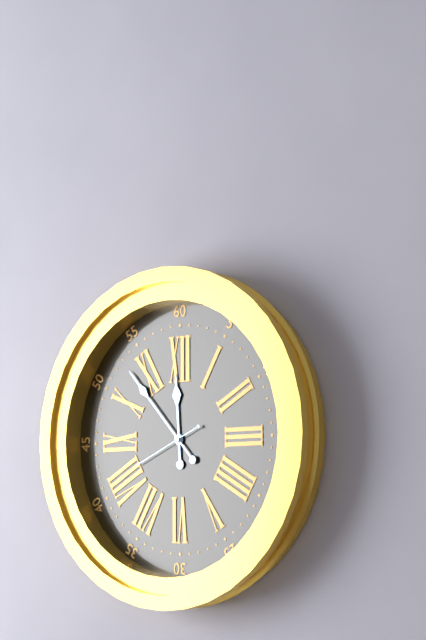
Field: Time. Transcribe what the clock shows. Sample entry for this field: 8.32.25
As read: 11.53.41
